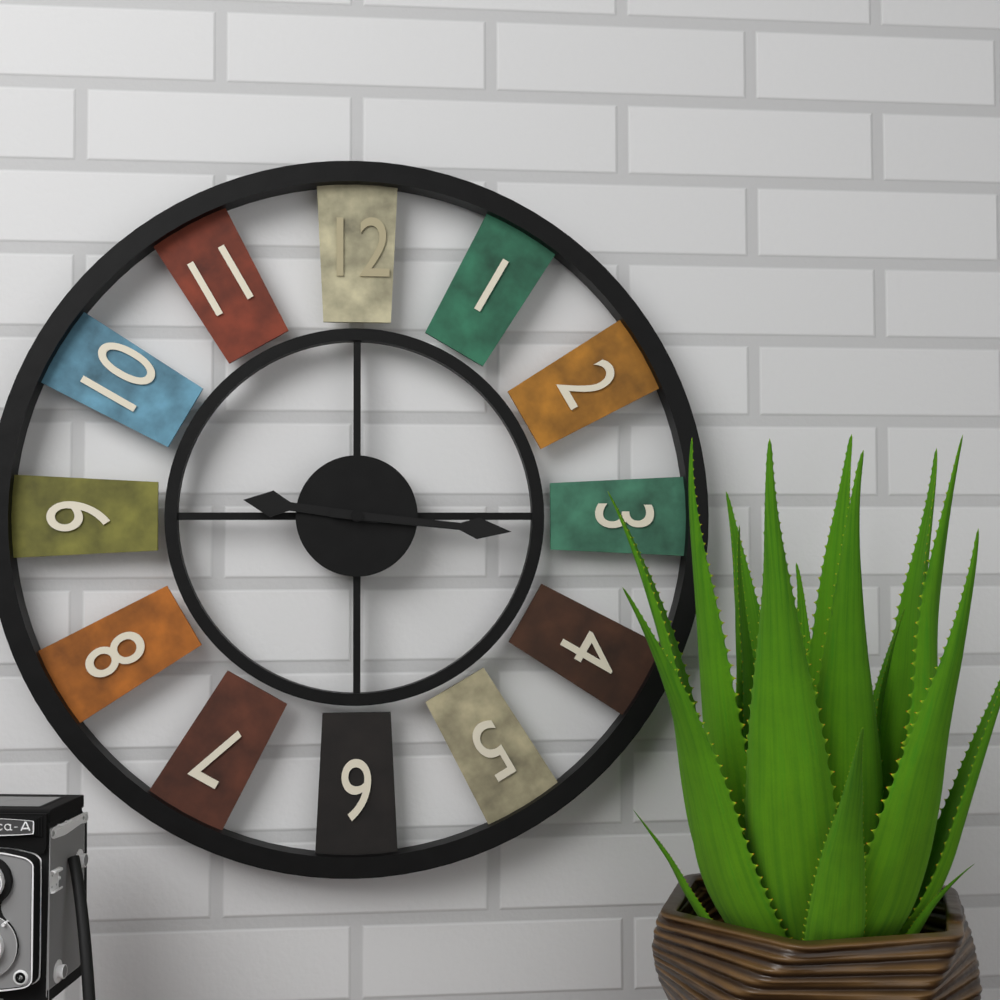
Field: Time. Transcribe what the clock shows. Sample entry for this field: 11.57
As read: 9.16
